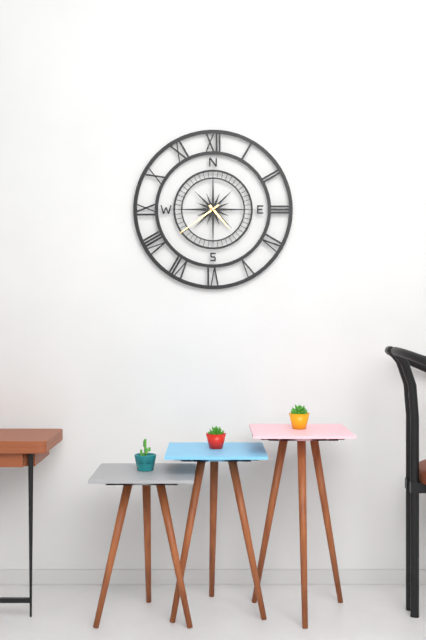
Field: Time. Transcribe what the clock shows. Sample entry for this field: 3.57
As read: 4.39
